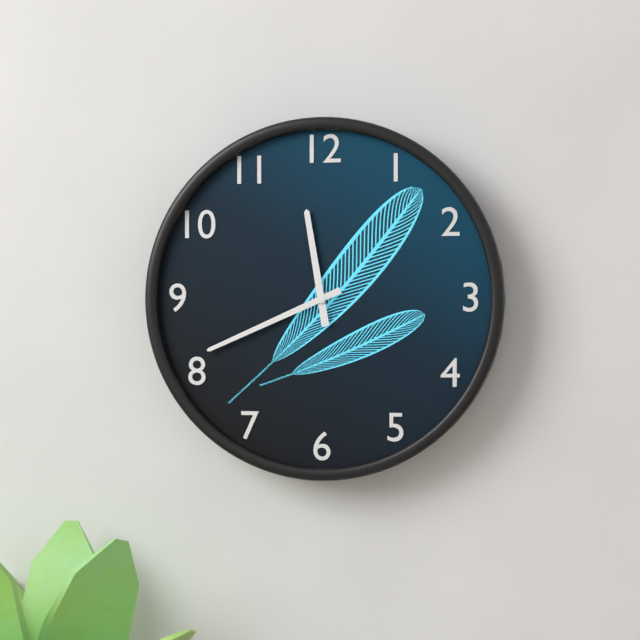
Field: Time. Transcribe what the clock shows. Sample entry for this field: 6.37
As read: 11.41
